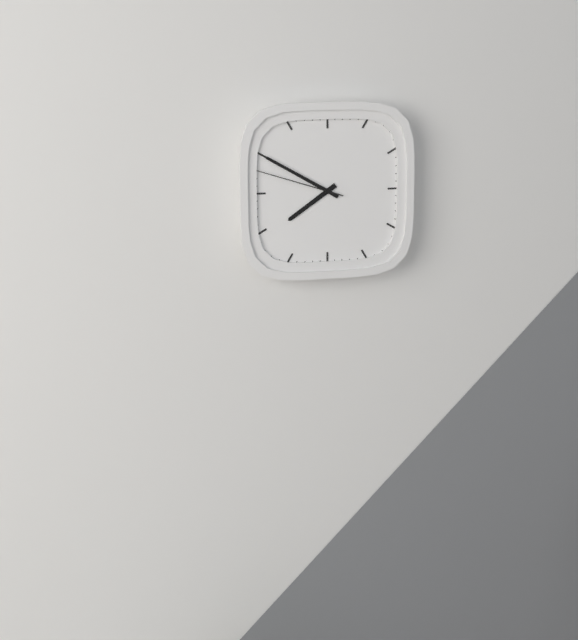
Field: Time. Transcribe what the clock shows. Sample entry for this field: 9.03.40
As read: 7.50.48
